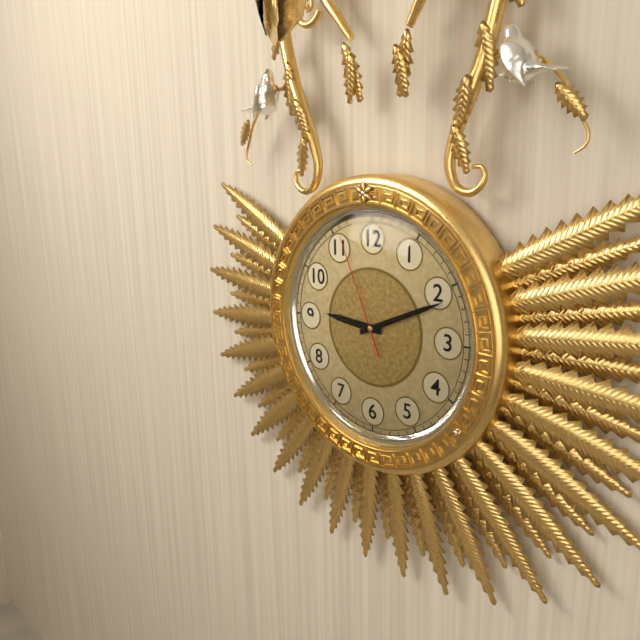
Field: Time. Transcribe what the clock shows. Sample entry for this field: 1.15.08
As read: 9.11.56
